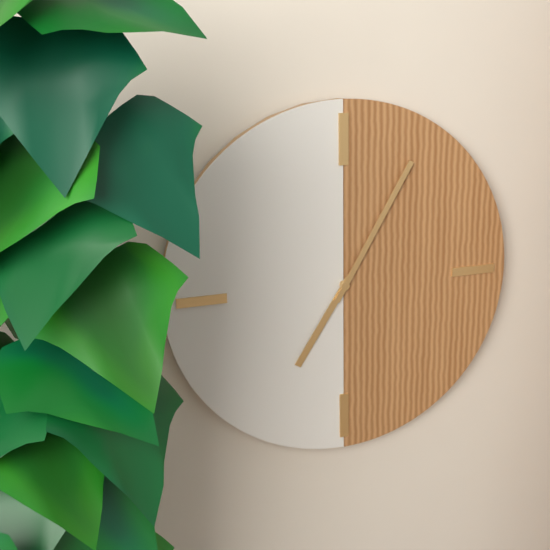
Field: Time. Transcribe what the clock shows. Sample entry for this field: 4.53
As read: 7.05
